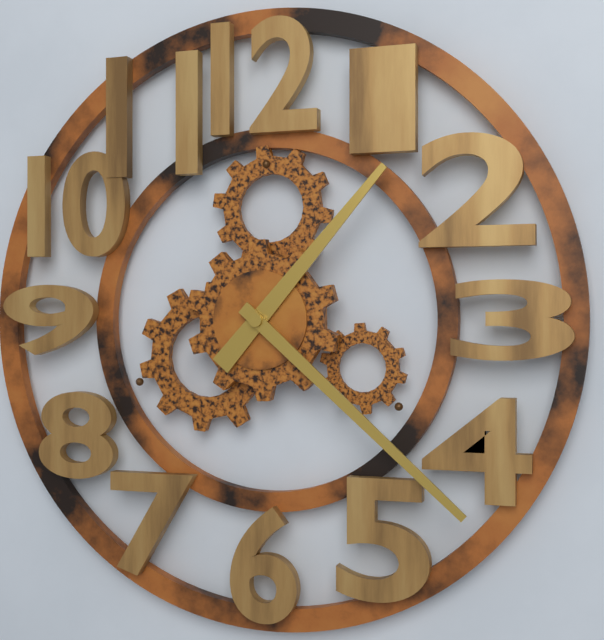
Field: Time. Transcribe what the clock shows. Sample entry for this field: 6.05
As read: 1.22
